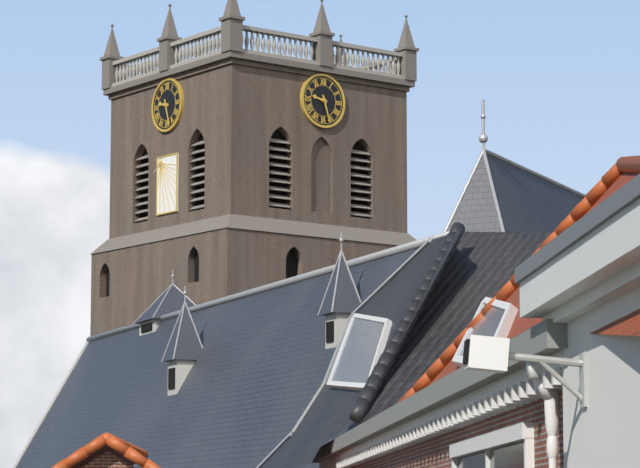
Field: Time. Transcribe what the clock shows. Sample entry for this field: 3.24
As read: 9.27
